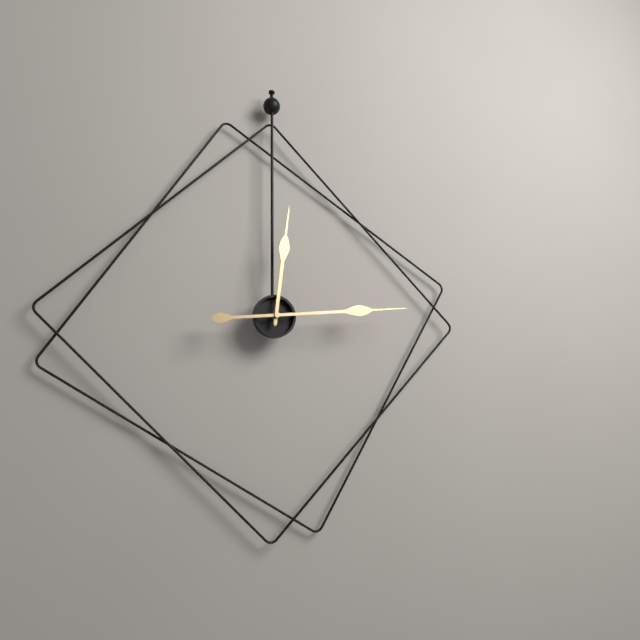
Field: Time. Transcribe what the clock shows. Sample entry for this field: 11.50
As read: 12.14
